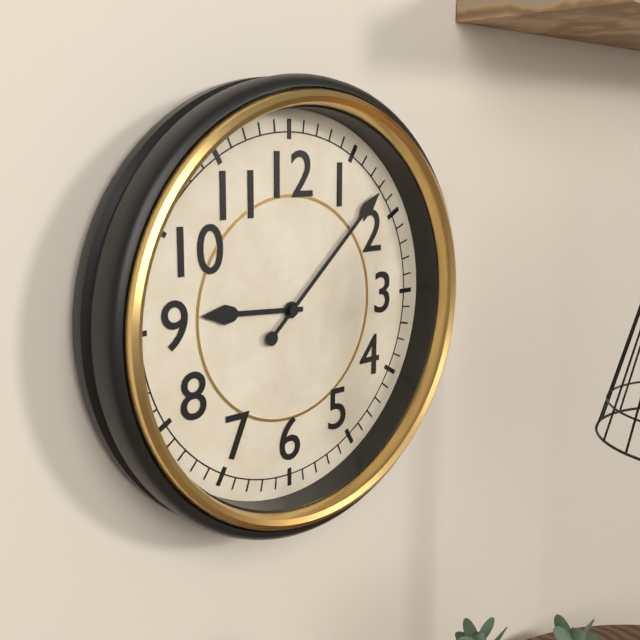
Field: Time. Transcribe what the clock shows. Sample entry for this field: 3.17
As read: 9.08
